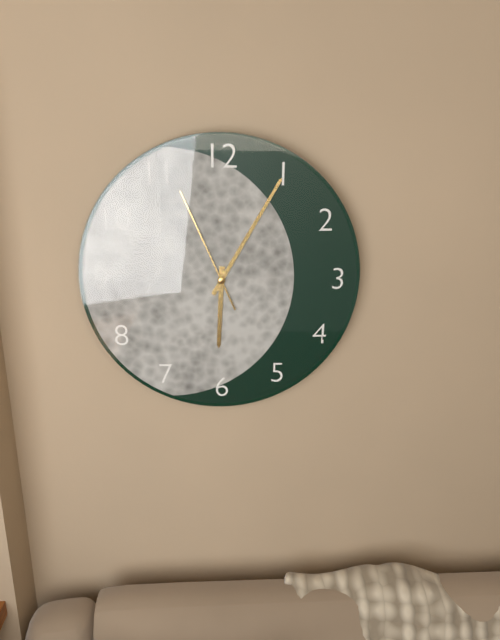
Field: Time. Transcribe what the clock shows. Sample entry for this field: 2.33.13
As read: 6.05.56
